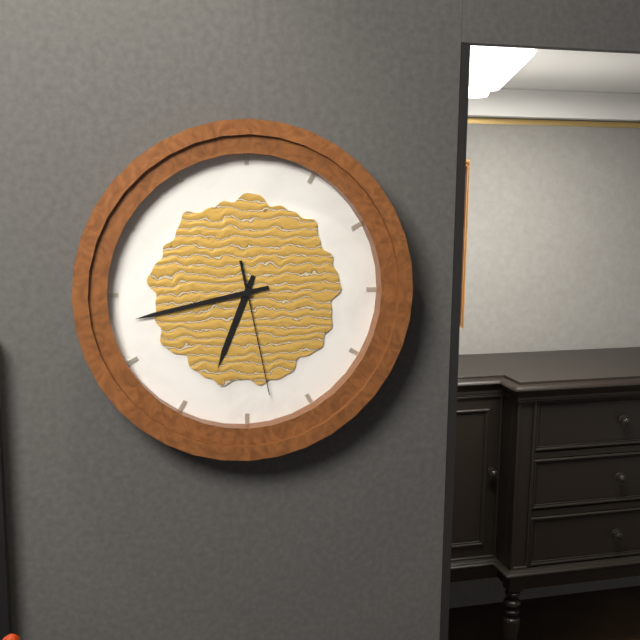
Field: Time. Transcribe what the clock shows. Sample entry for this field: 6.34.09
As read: 6.43.28
